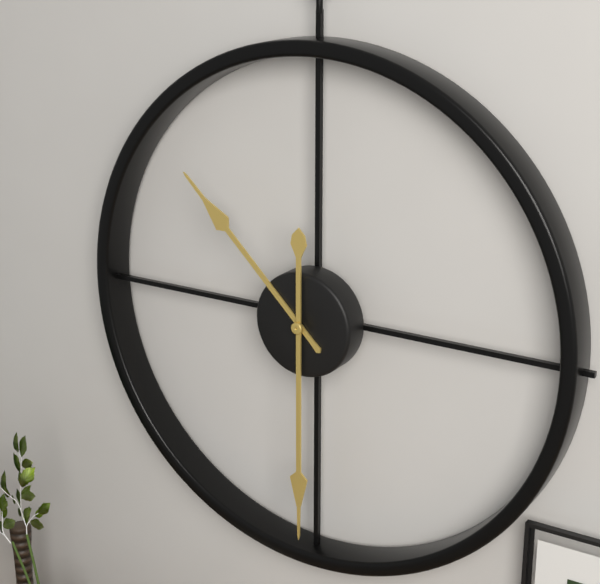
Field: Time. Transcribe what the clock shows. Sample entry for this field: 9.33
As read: 10.30
